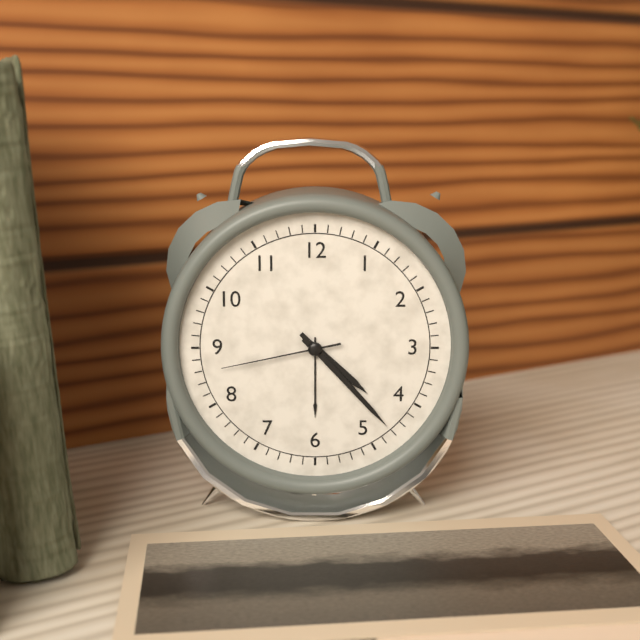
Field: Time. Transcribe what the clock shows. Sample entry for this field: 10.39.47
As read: 4.23.43
